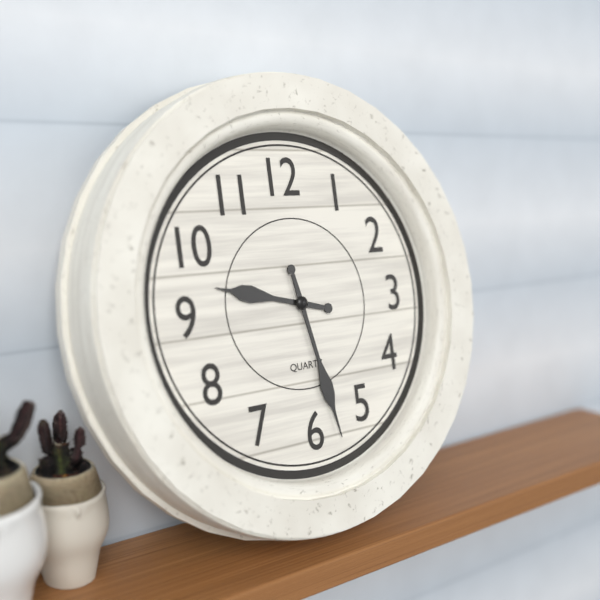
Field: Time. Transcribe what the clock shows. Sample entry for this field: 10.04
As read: 9.28
